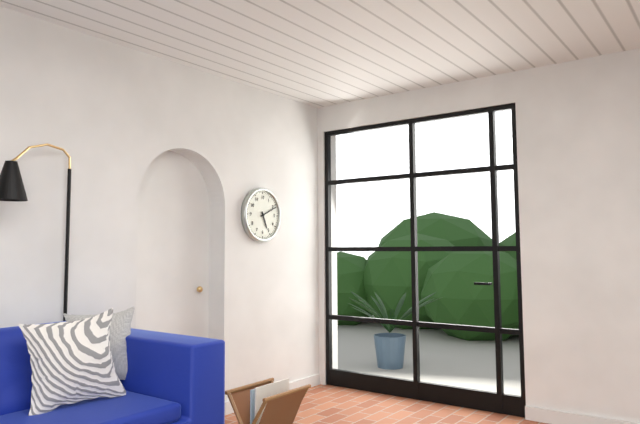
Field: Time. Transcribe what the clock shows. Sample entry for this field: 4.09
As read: 5.11
